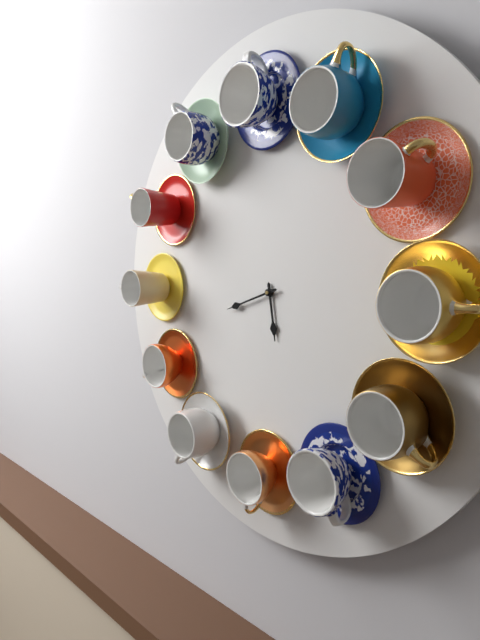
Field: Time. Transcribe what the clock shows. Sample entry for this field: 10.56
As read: 5.42
